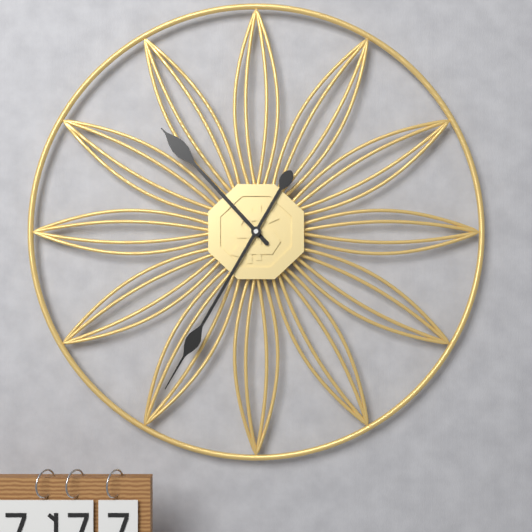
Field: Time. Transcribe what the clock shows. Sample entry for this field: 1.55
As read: 10.35
